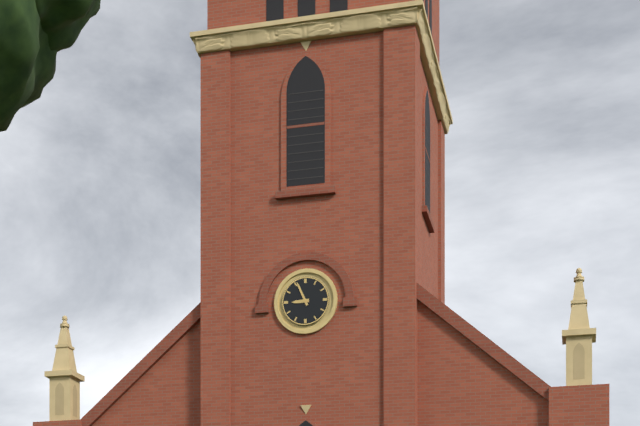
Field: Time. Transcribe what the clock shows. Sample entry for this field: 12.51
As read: 8.56
